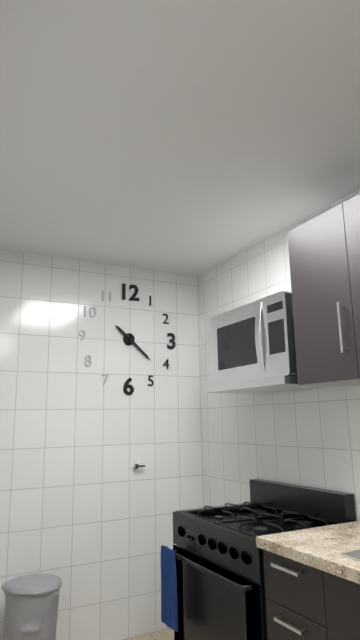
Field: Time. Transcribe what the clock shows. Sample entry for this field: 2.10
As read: 10.22
